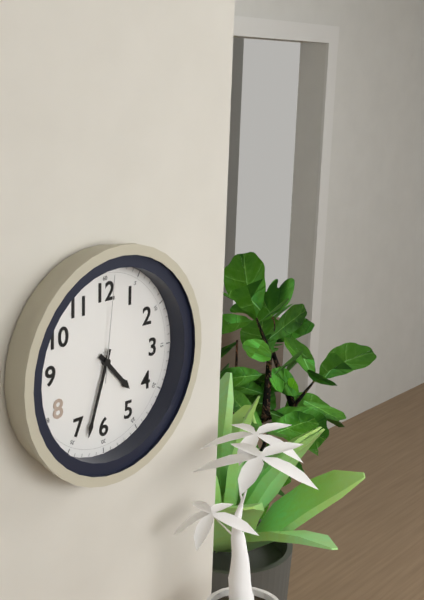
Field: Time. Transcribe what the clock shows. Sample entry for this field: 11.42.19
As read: 4.33.01
